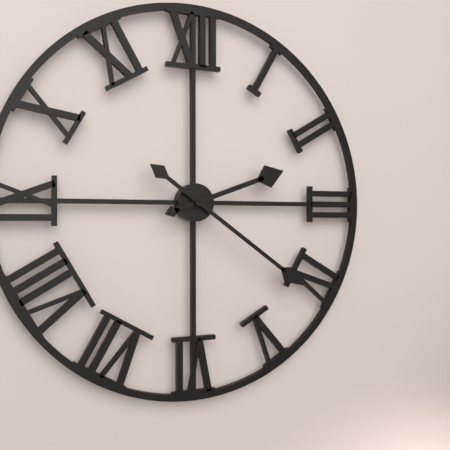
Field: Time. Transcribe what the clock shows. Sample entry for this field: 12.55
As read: 2.21
